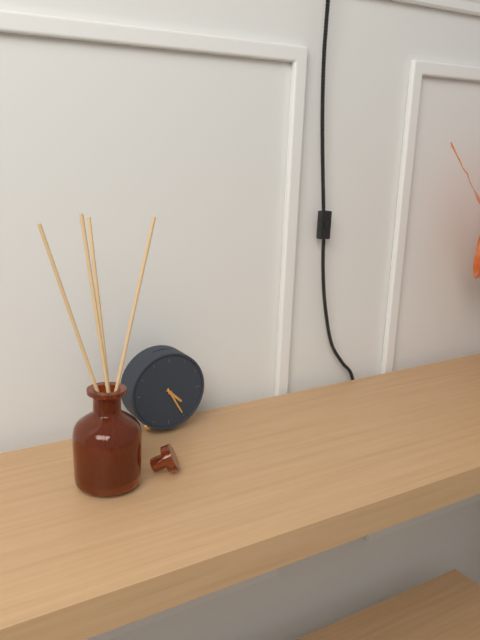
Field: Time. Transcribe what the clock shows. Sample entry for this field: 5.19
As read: 4.25
